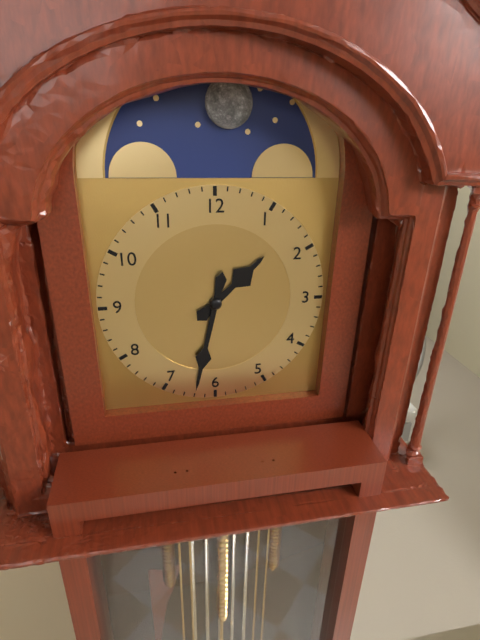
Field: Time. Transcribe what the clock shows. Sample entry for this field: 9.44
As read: 1.32
